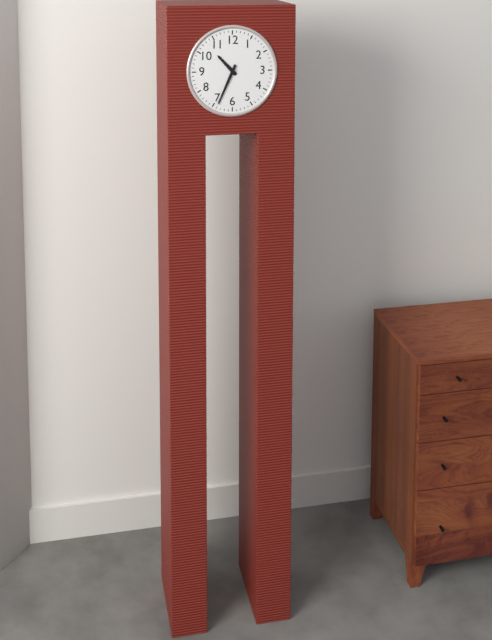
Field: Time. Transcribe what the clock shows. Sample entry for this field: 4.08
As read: 10.34
